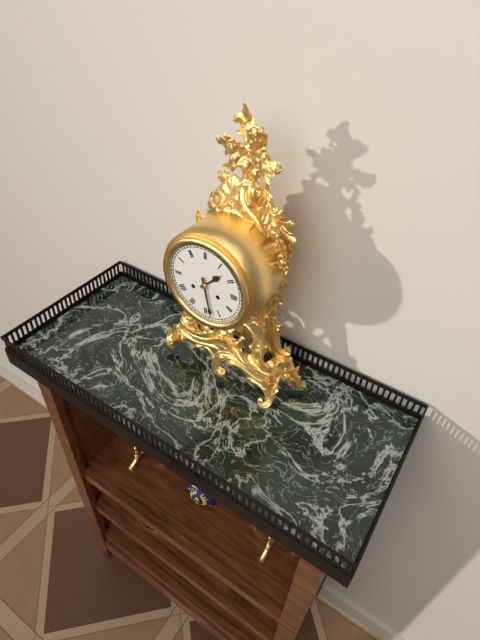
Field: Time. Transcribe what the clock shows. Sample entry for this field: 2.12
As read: 1.28
